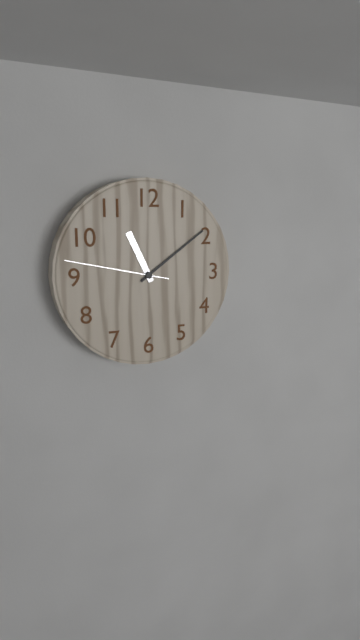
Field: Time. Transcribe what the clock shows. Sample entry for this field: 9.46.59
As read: 11.09.47
